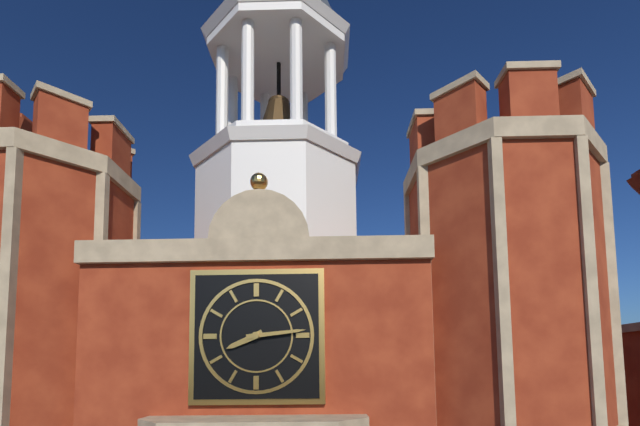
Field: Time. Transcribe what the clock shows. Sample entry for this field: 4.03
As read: 8.14
